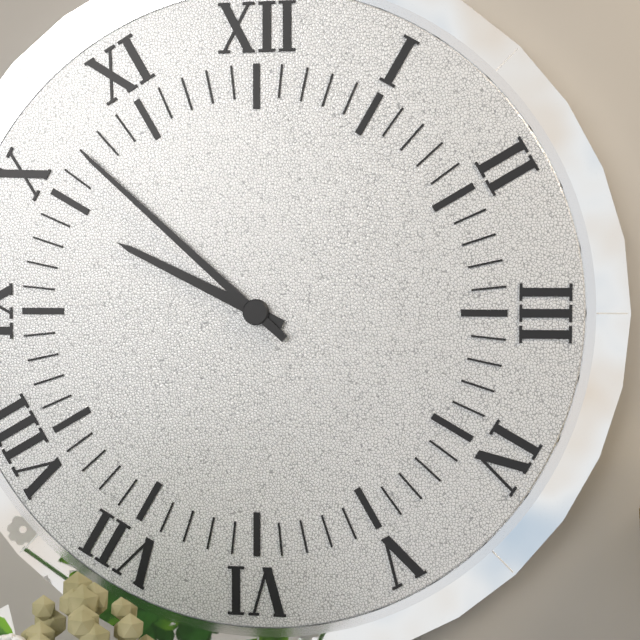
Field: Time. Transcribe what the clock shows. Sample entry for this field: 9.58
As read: 9.52
